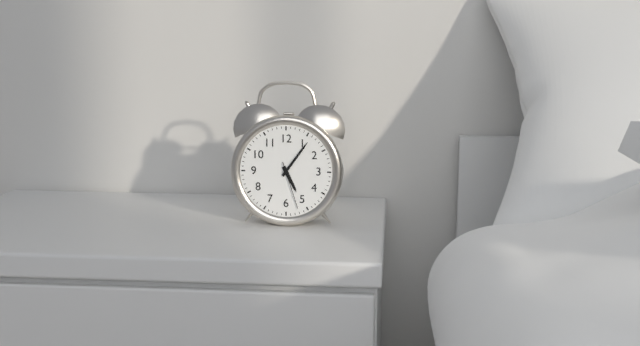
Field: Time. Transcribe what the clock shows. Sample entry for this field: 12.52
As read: 5.06
